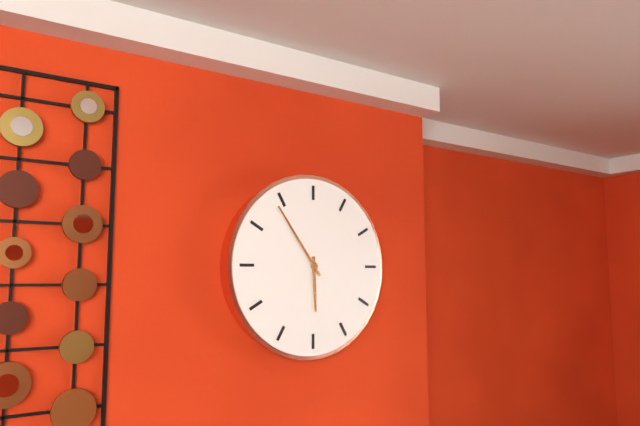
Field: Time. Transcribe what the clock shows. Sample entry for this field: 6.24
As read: 5.54
